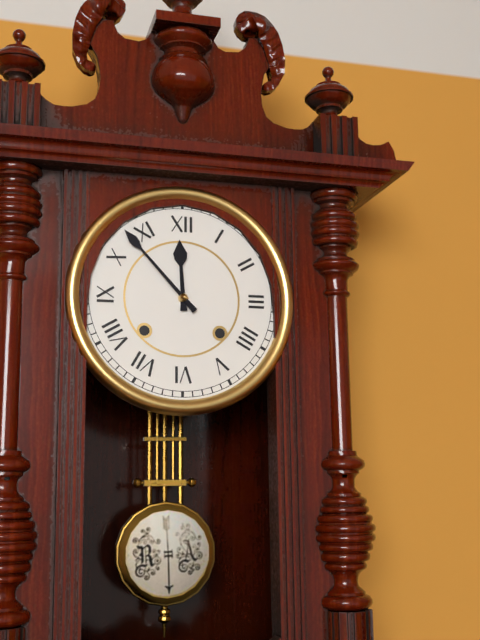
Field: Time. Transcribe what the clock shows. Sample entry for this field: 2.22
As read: 11.53
